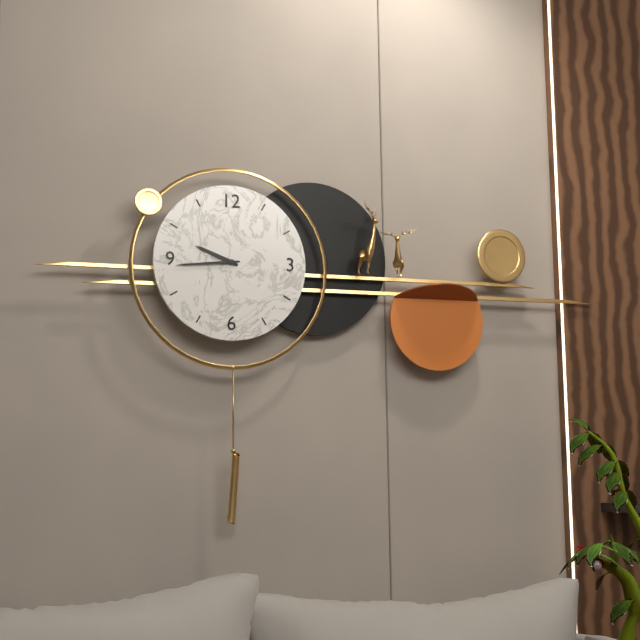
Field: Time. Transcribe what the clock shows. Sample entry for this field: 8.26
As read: 9.44
